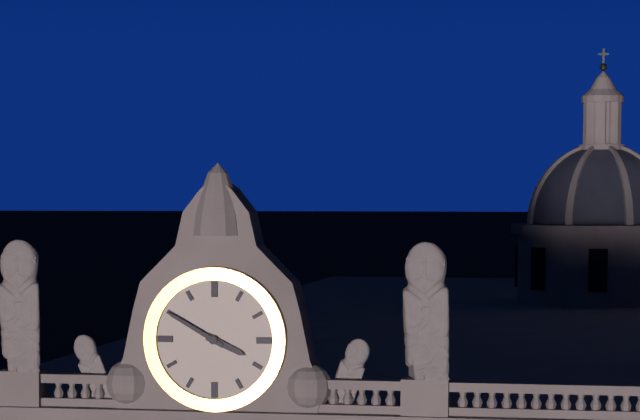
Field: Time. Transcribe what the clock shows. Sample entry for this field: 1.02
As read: 3.50
